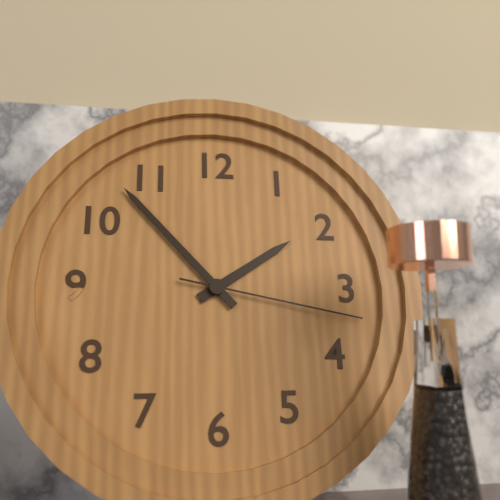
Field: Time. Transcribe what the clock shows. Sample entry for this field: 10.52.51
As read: 1.53.17
